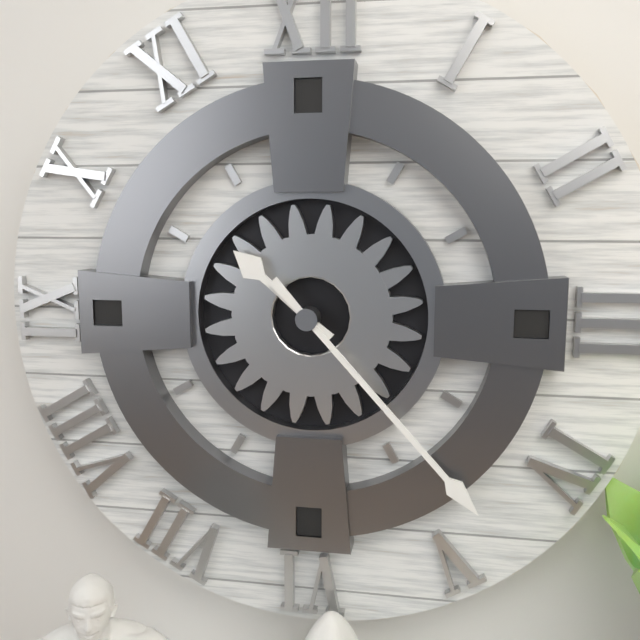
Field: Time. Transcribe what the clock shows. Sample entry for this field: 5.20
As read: 10.23
